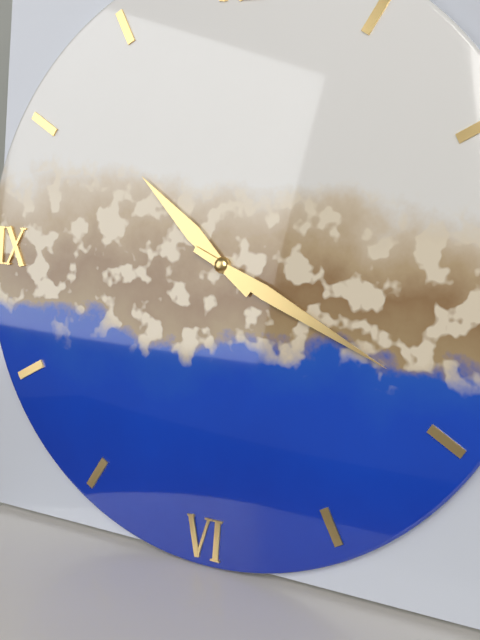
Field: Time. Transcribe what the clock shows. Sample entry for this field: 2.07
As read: 10.19
